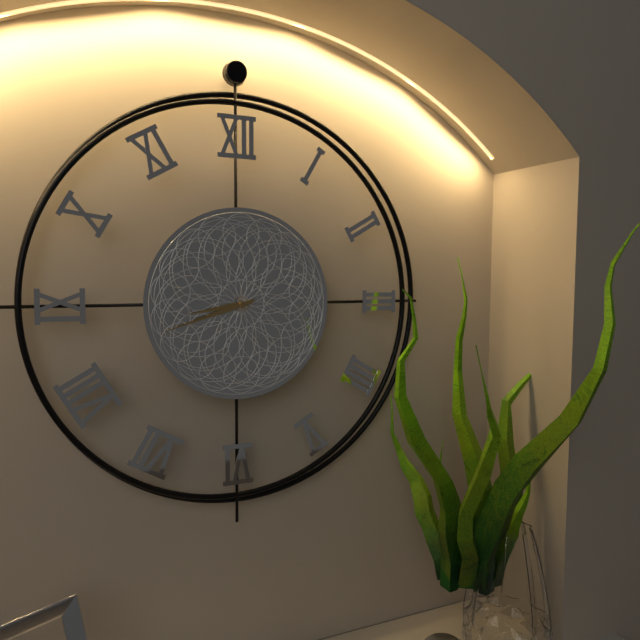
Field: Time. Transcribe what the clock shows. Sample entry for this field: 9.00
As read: 8.42
